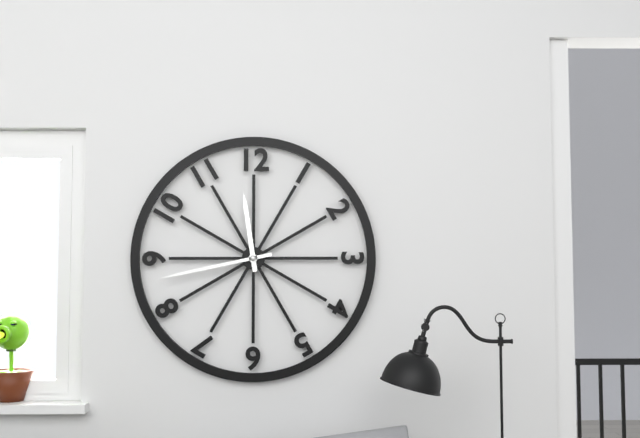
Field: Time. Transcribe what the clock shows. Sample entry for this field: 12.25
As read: 11.43
